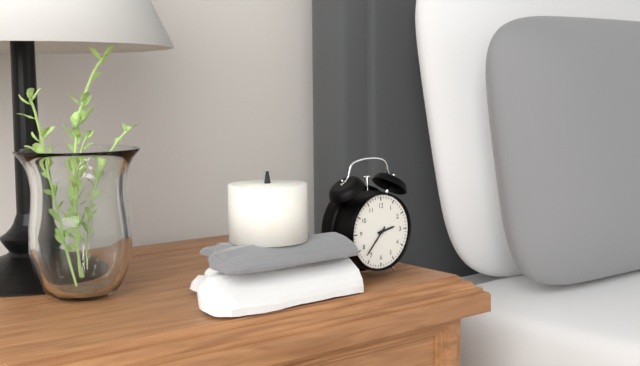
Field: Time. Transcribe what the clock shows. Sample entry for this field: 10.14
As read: 2.37
